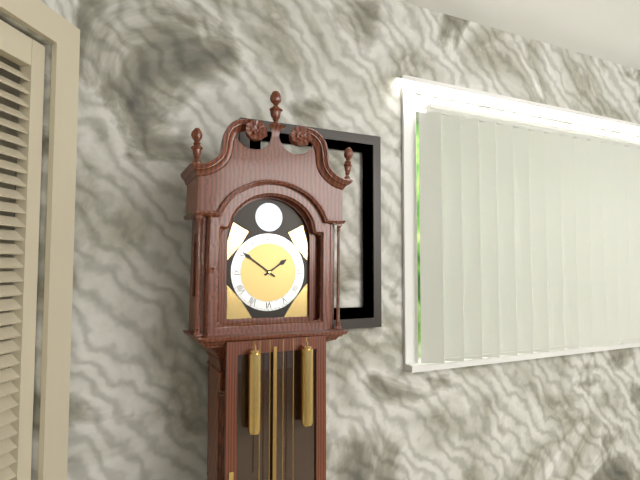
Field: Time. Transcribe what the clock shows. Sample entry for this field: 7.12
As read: 1.51
